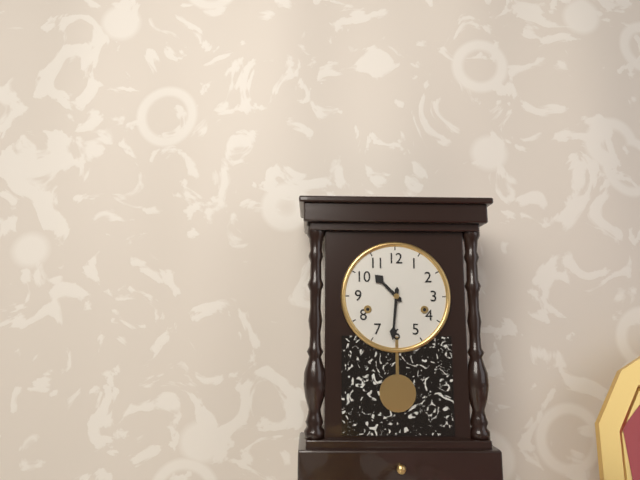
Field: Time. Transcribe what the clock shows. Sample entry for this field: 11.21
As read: 10.31
